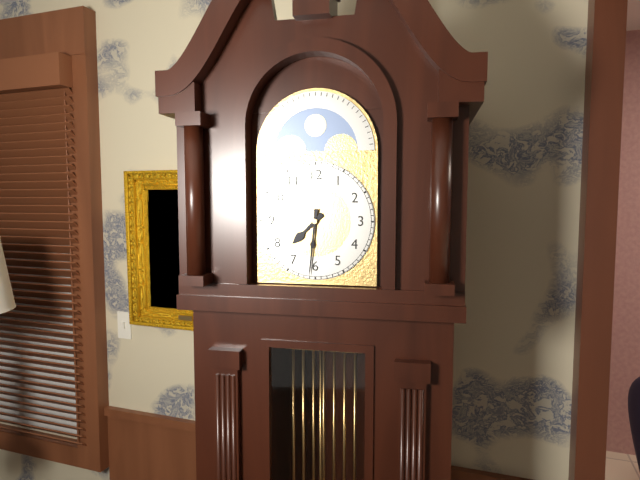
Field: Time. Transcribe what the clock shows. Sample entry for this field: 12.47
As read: 7.31
